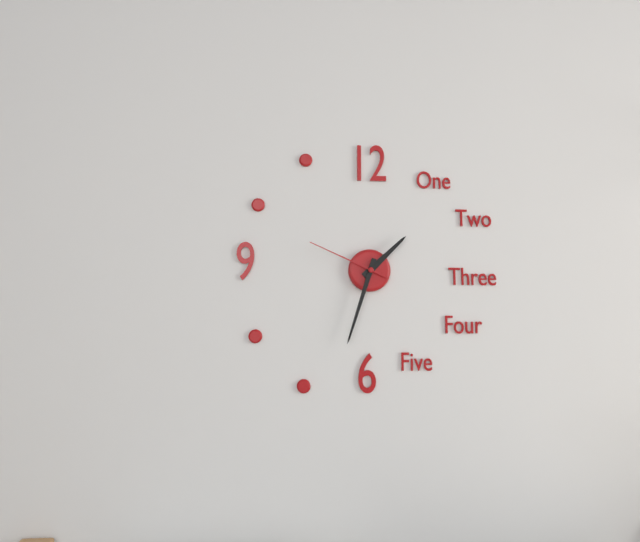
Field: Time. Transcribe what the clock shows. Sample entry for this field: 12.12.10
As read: 1.33.49
